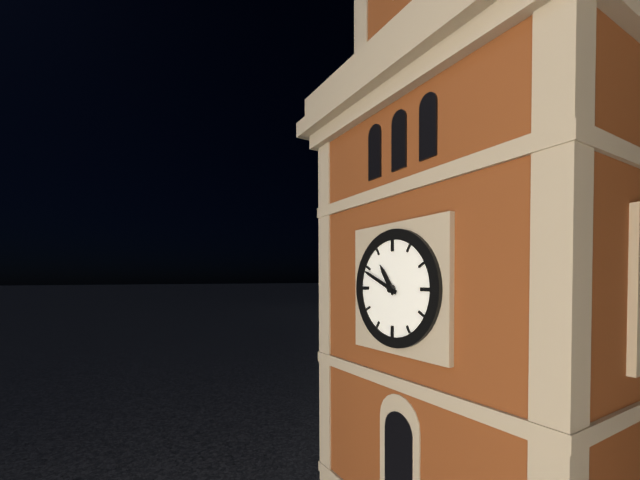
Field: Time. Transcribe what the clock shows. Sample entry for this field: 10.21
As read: 10.49
